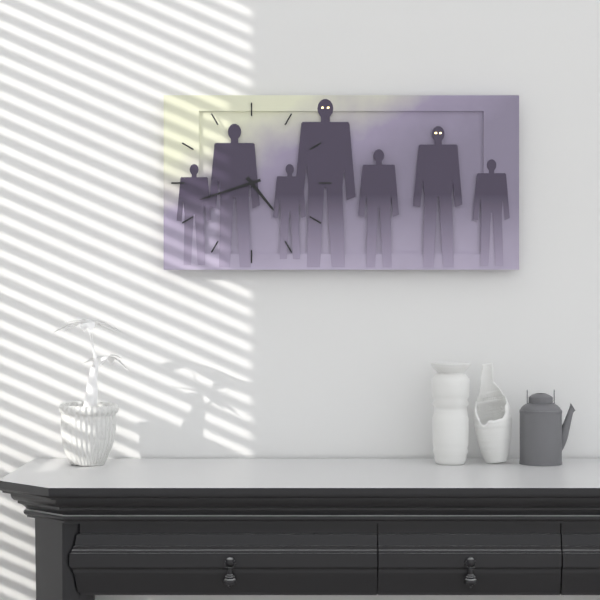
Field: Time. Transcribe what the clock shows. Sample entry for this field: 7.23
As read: 4.42
